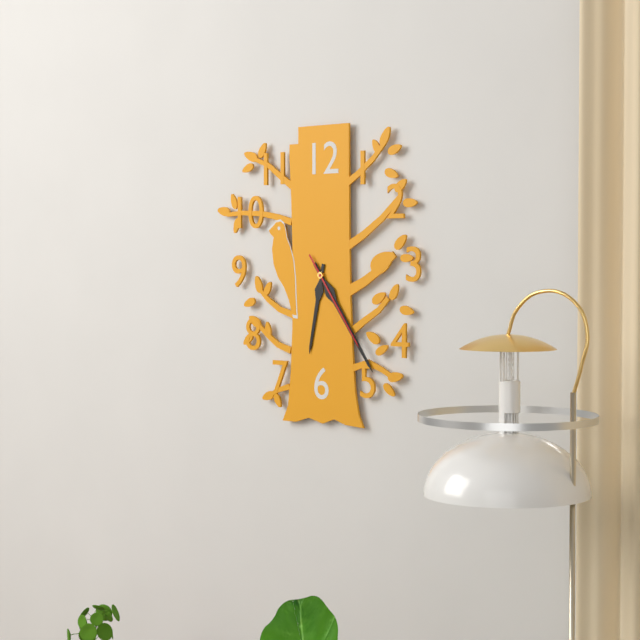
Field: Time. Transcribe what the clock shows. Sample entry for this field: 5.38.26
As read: 6.24.24
